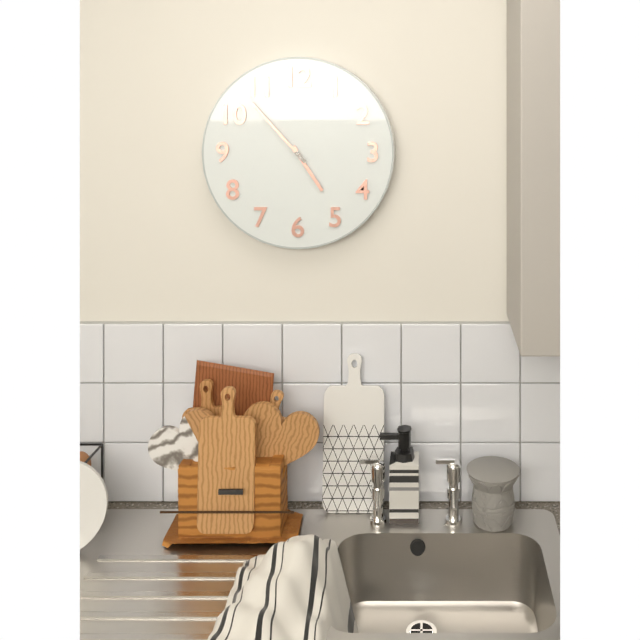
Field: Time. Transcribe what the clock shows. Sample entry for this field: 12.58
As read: 4.53
